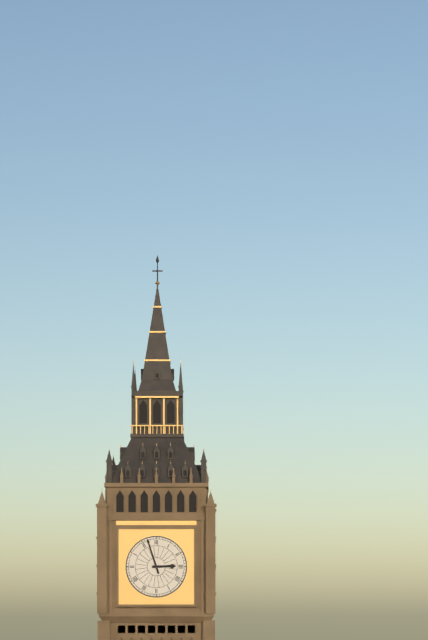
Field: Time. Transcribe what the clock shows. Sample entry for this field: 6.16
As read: 2.57
